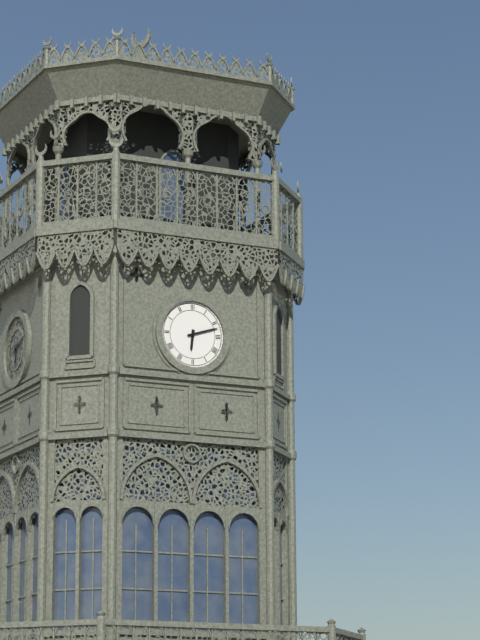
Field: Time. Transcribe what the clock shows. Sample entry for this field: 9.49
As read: 6.12
